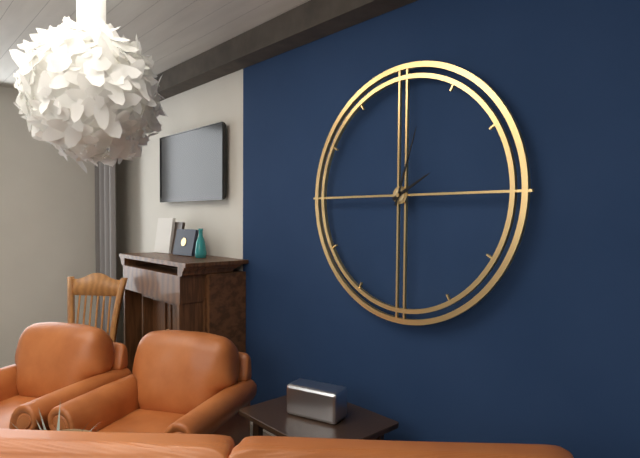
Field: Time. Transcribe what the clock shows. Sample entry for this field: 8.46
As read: 2.03
